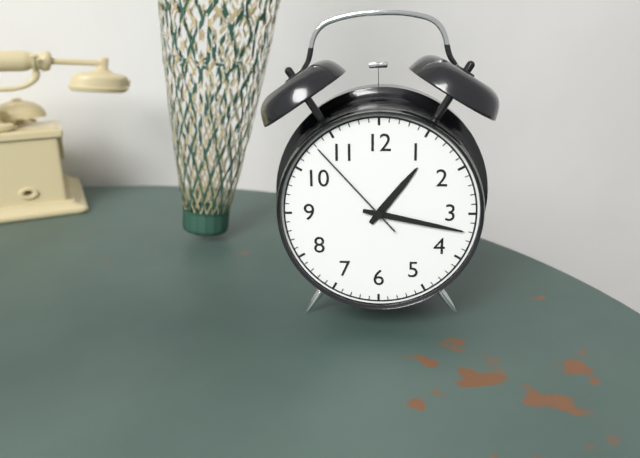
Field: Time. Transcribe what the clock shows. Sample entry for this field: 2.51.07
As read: 1.17.53
